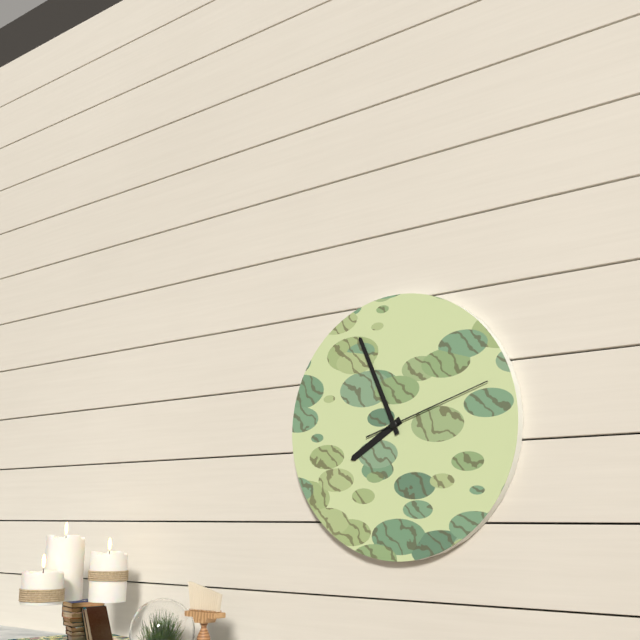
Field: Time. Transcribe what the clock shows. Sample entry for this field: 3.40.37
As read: 7.56.12
